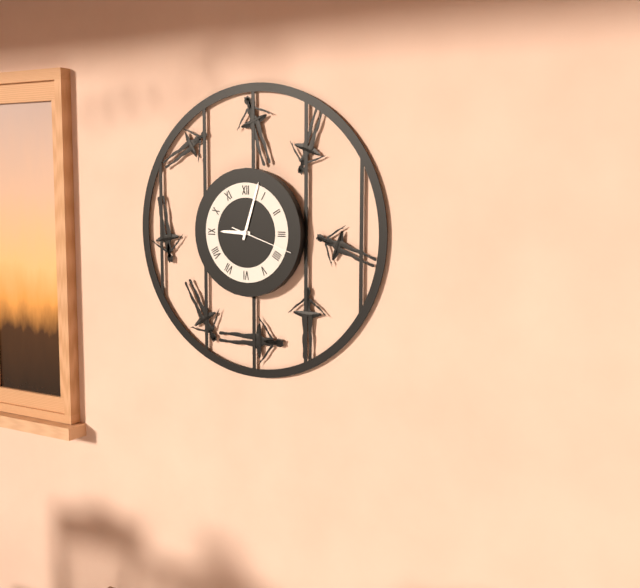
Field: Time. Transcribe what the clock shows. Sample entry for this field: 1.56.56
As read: 9.03.18
